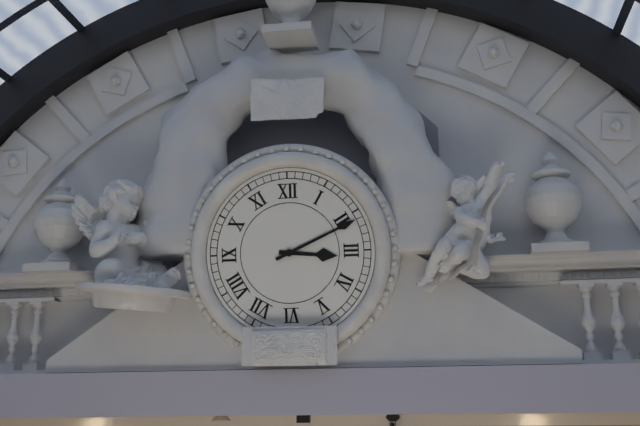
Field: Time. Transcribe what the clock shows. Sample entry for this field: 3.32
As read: 3.11
